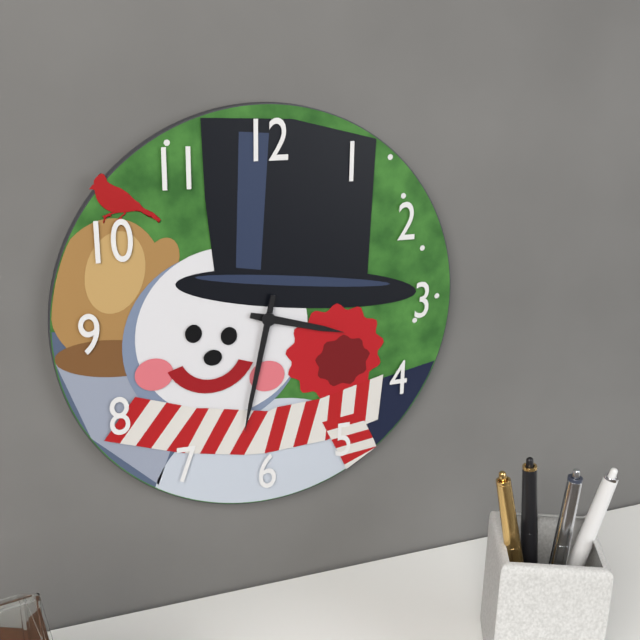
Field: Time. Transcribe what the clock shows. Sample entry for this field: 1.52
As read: 3.32
